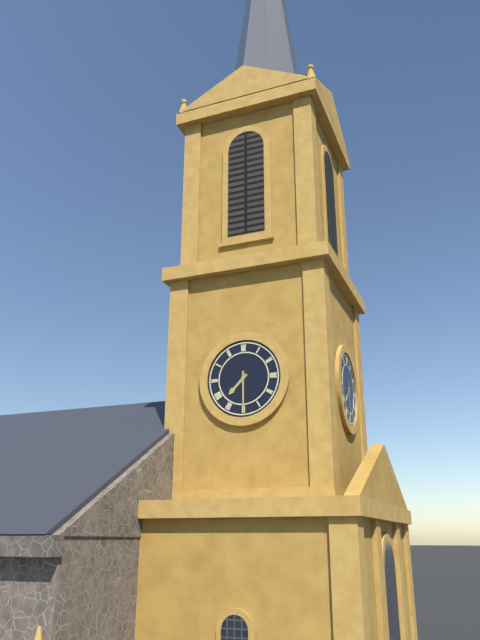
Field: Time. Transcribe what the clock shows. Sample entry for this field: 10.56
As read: 7.30
